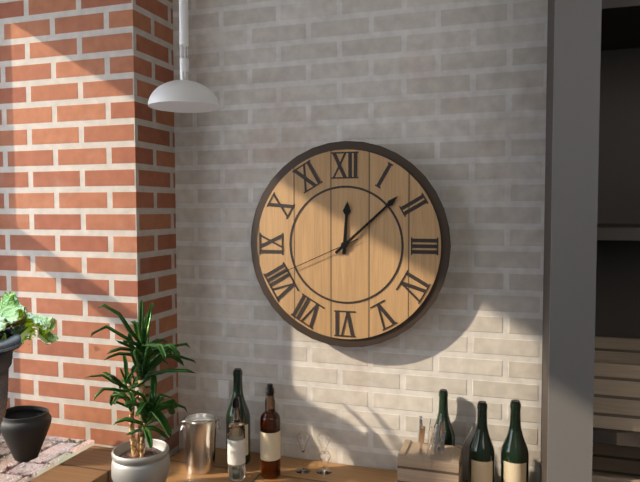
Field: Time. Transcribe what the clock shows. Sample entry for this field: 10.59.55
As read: 12.08.41
